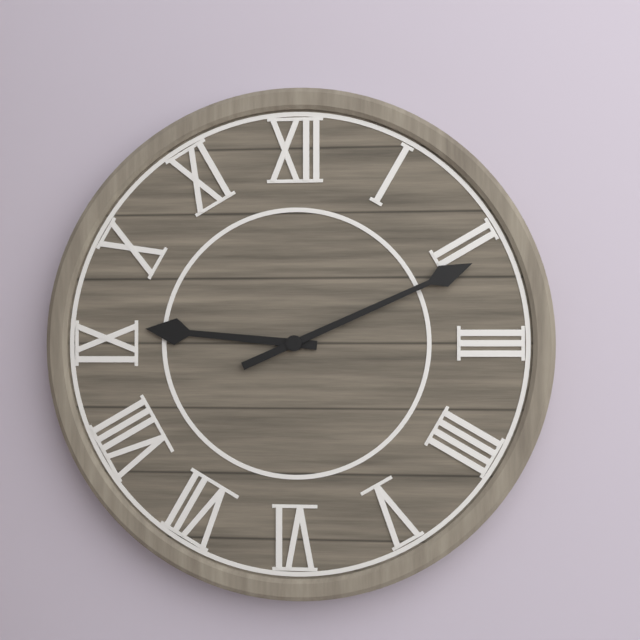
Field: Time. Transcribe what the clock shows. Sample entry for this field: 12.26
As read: 9.11
